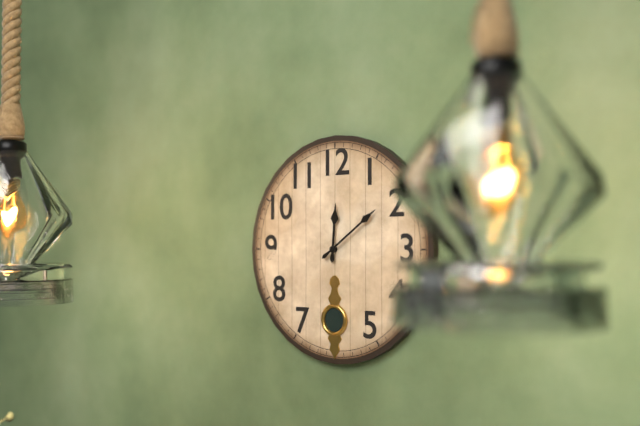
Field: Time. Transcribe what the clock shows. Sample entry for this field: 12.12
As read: 12.09
